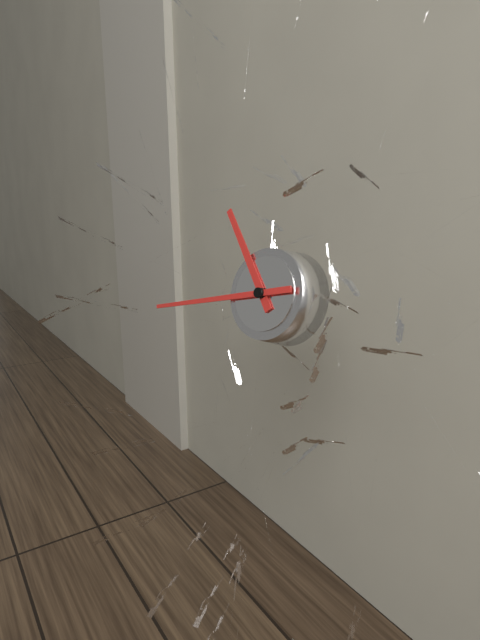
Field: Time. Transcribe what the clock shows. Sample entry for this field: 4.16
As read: 10.43
